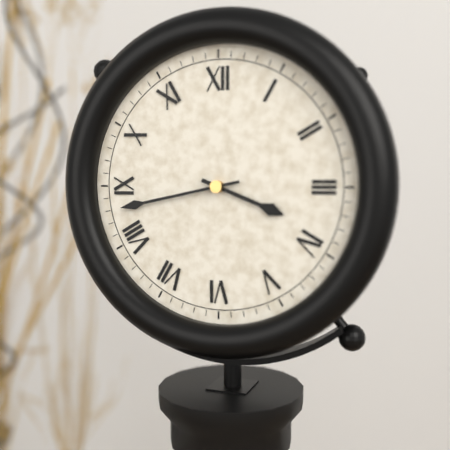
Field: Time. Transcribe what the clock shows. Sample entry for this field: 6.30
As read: 3.43
